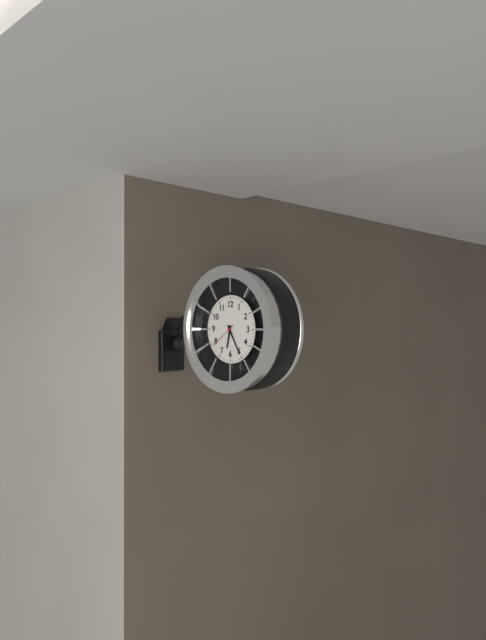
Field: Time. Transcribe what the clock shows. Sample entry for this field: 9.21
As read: 6.25
